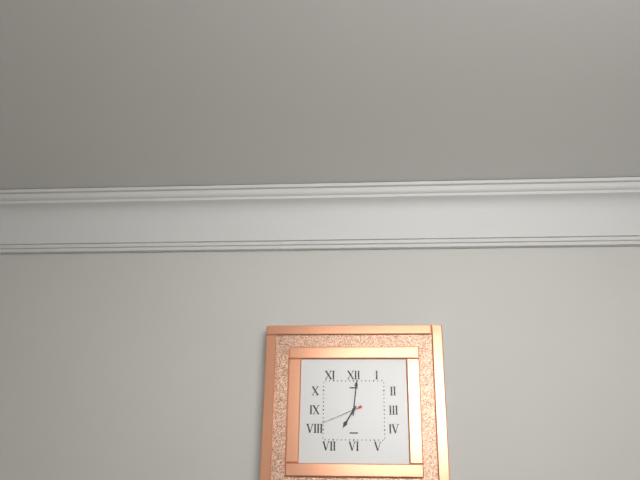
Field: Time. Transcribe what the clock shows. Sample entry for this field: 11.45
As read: 7.01
